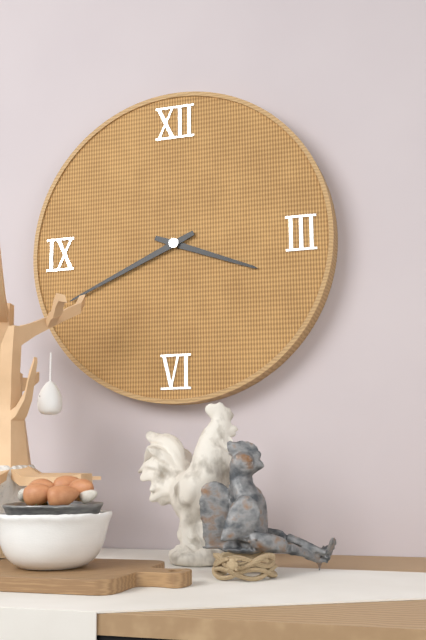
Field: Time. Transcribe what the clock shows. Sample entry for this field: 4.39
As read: 3.41
